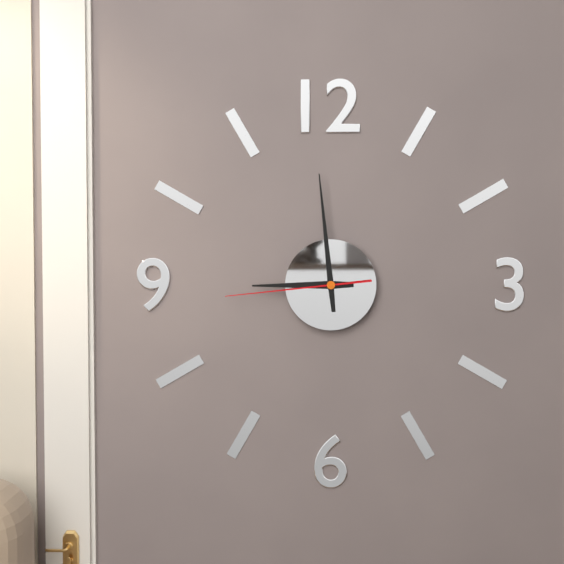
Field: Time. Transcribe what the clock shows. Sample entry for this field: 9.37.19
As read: 8.59.44
